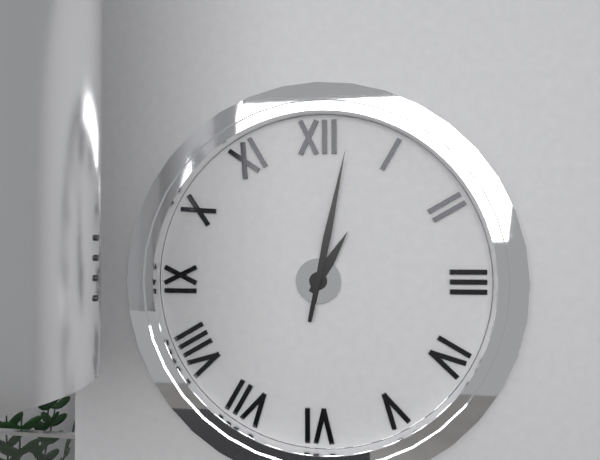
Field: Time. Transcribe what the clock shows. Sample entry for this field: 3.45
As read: 1.02
